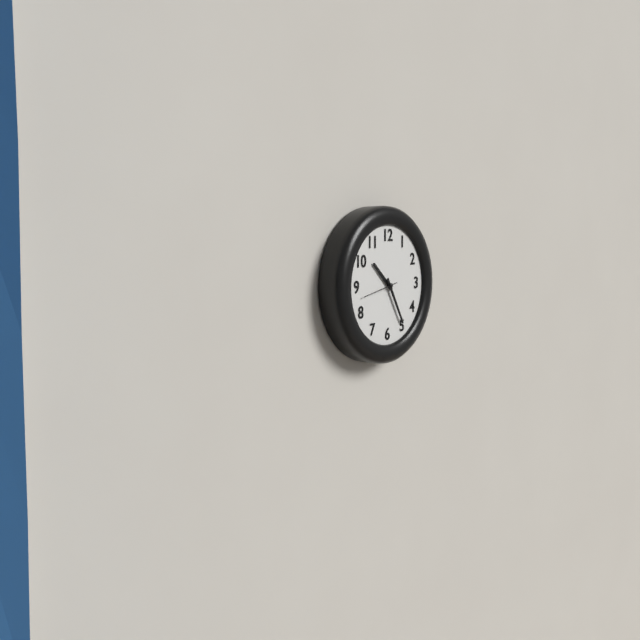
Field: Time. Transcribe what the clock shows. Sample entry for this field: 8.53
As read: 10.25
